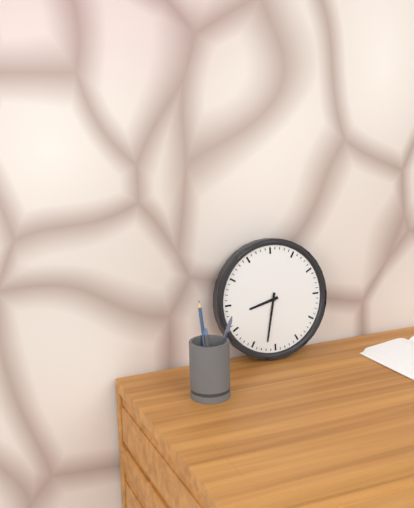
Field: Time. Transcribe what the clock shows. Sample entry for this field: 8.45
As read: 8.32
